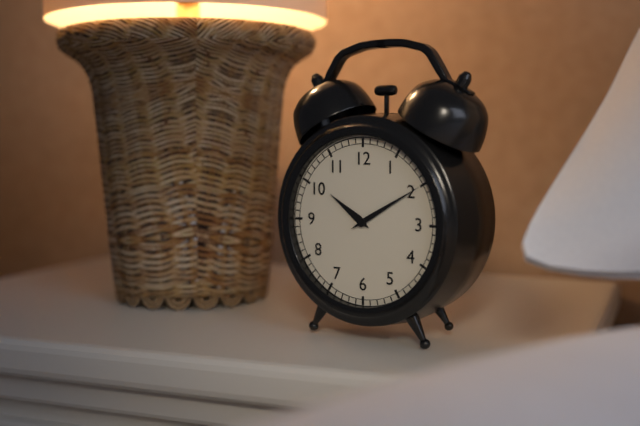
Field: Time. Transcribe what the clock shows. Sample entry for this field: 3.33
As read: 10.10
